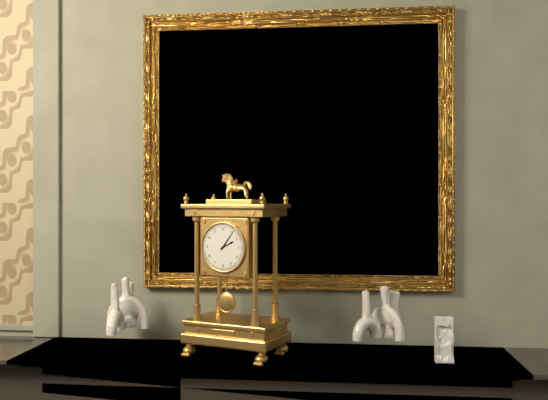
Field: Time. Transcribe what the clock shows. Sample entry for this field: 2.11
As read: 2.06
